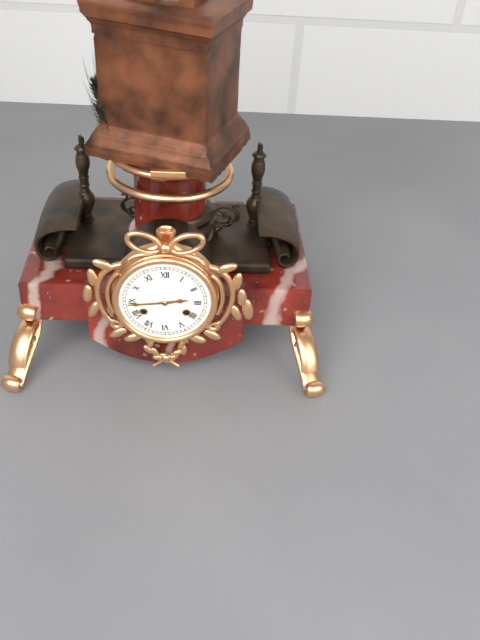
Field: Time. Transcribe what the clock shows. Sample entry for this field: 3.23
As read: 2.44
